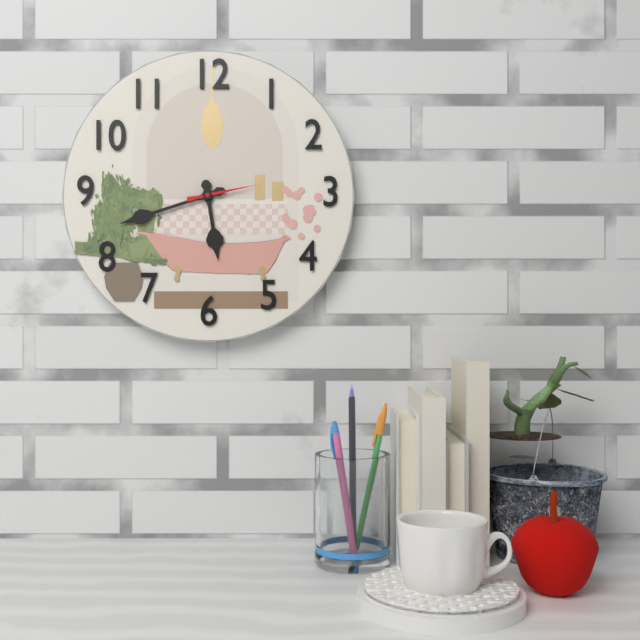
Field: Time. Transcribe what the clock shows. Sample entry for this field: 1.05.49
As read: 5.42.13
